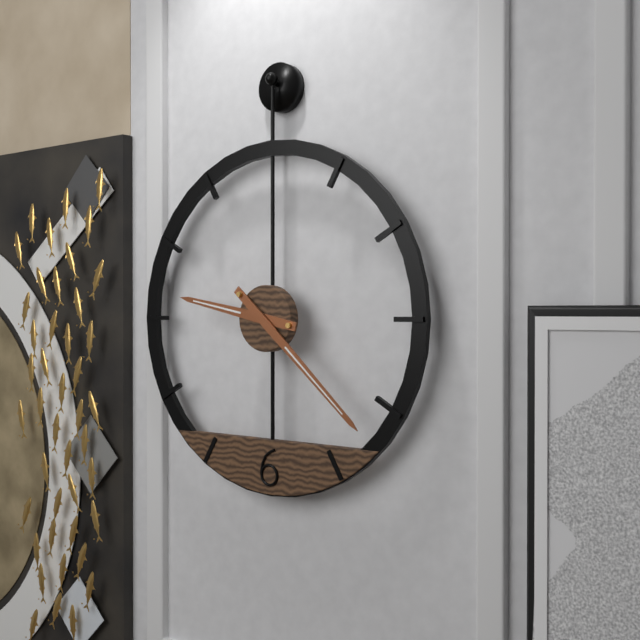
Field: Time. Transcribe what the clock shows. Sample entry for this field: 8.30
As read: 9.22
